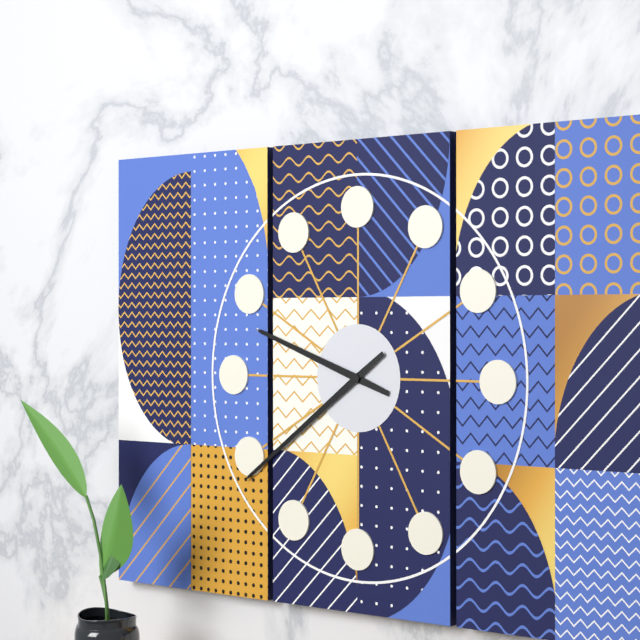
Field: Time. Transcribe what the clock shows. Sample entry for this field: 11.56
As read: 9.39
